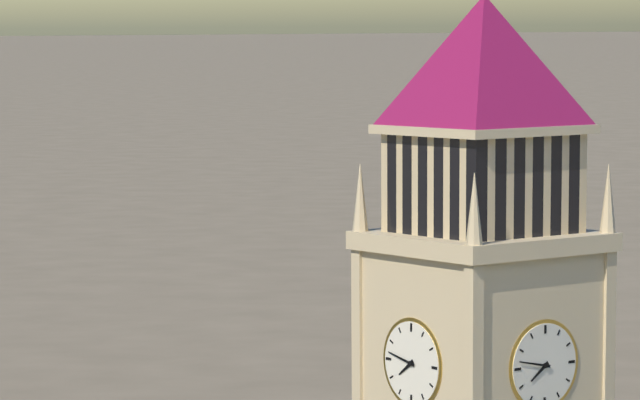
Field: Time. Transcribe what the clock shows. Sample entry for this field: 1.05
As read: 7.47
